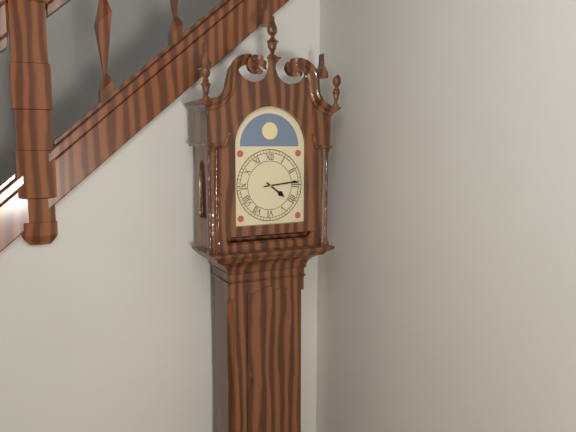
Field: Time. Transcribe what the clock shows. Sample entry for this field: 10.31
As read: 4.14
